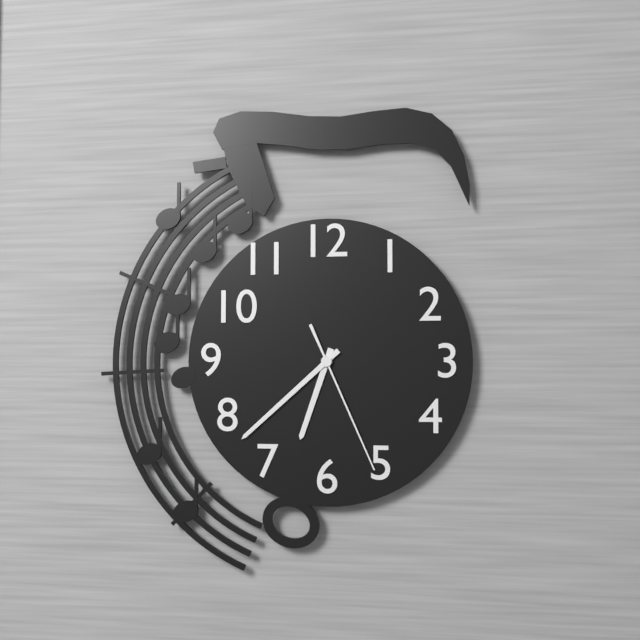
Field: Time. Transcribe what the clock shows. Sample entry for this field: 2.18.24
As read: 6.38.26
